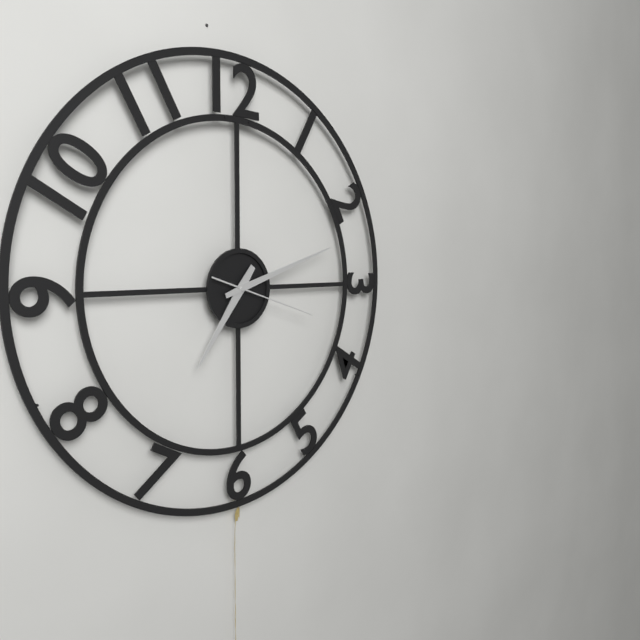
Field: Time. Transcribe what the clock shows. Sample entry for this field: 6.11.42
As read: 7.12.18
